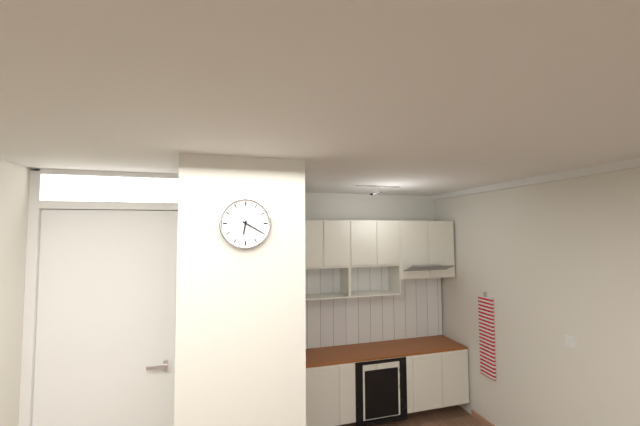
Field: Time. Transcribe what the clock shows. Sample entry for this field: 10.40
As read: 6.20
